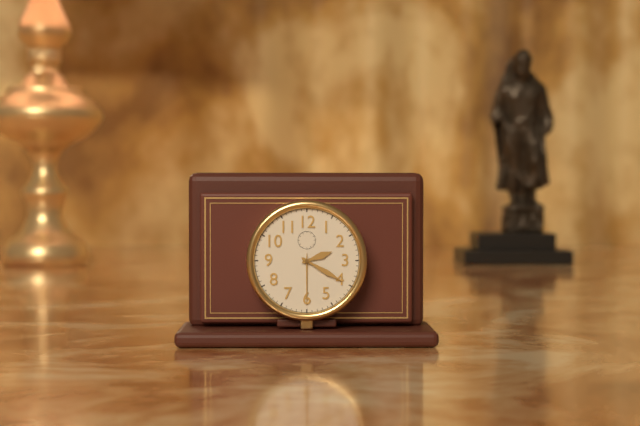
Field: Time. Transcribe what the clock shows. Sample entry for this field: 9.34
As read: 2.20
